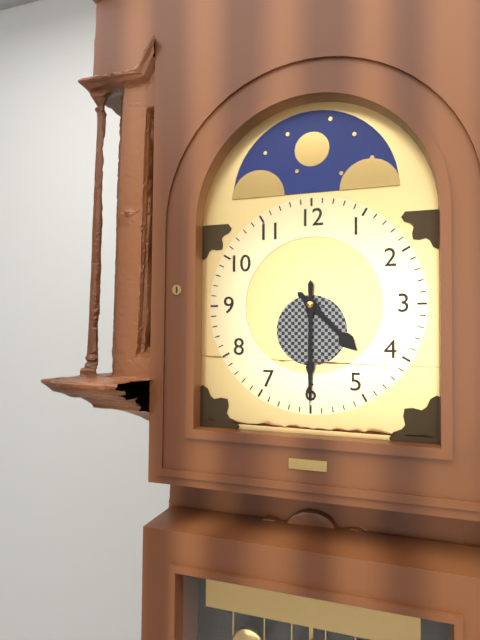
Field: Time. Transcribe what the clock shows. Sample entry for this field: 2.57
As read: 4.30
